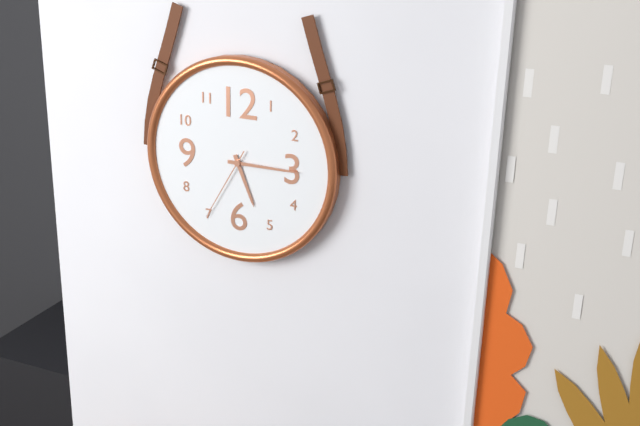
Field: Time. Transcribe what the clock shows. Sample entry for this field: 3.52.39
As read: 5.15.35
